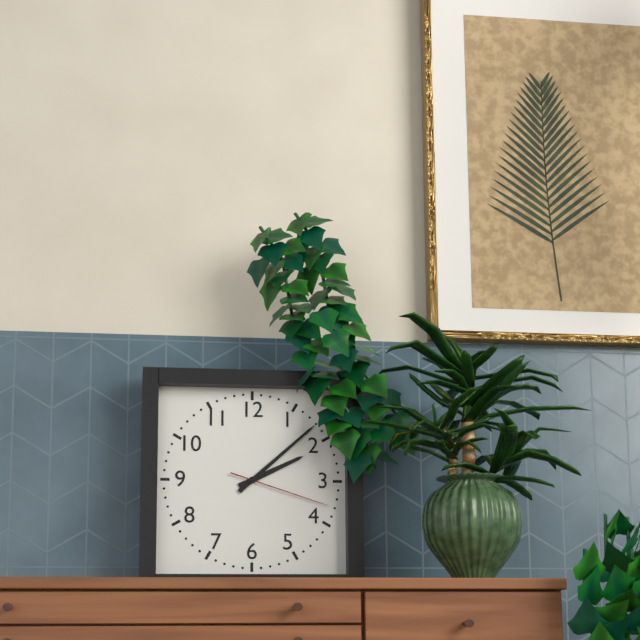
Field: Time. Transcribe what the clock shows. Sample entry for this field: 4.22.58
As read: 2.08.18
